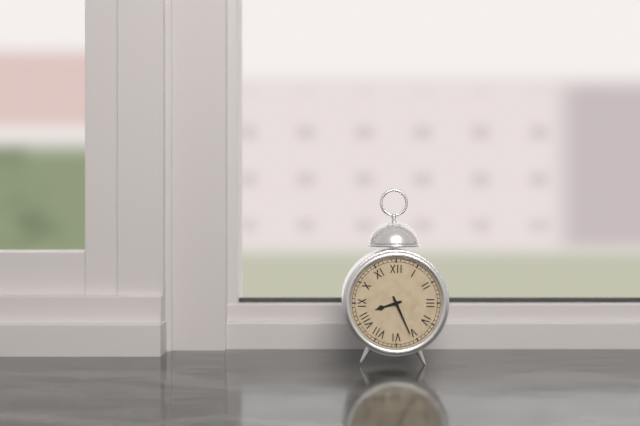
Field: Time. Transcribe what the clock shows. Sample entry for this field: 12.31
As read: 8.26
